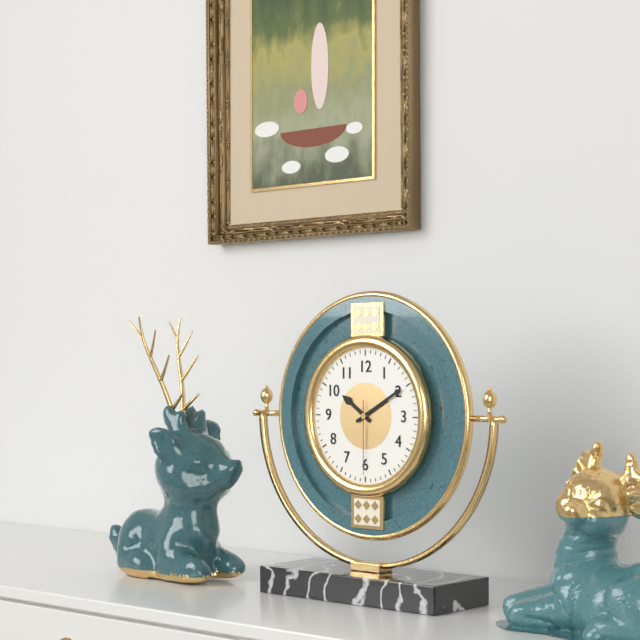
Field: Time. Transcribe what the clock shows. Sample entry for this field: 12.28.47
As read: 10.10.30
